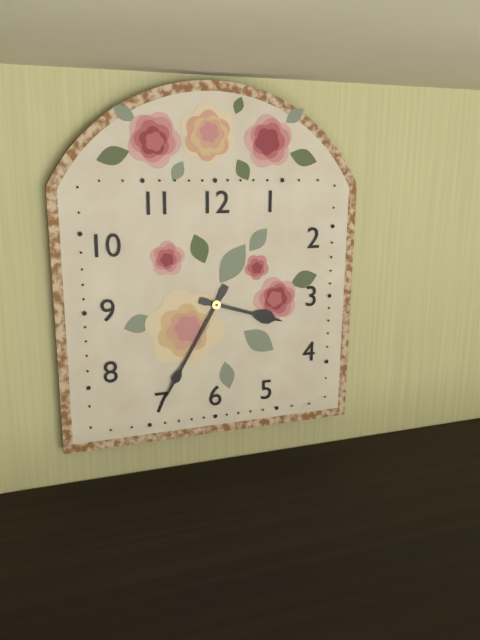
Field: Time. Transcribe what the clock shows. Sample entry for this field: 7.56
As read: 3.35
